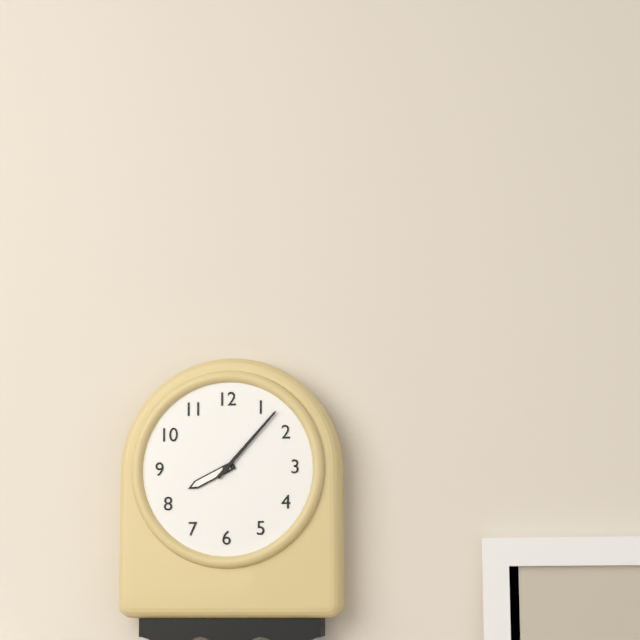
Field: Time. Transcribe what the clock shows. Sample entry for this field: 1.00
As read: 8.07
